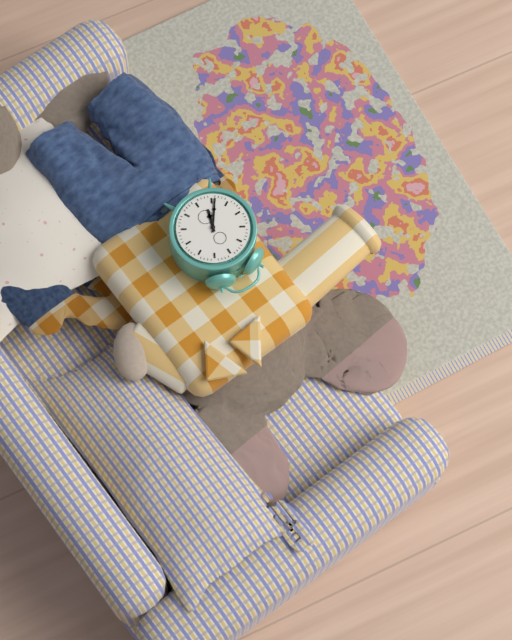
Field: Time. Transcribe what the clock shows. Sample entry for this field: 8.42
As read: 6.36
